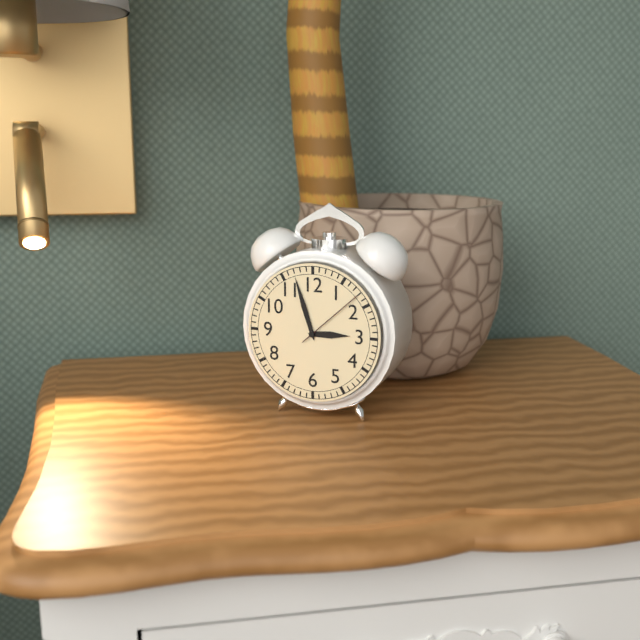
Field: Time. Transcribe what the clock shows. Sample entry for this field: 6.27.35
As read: 2.57.08
